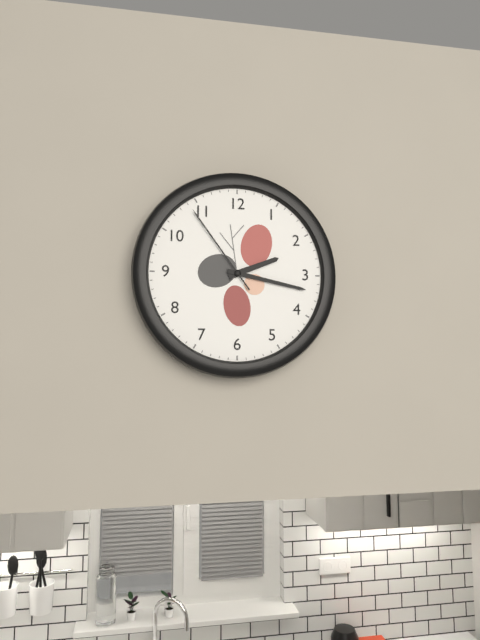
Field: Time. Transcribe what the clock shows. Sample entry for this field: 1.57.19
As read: 2.17.54
